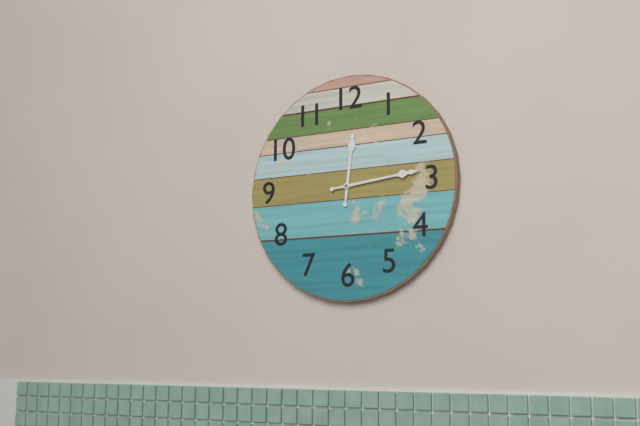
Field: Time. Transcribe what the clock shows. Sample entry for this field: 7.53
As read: 12.14
